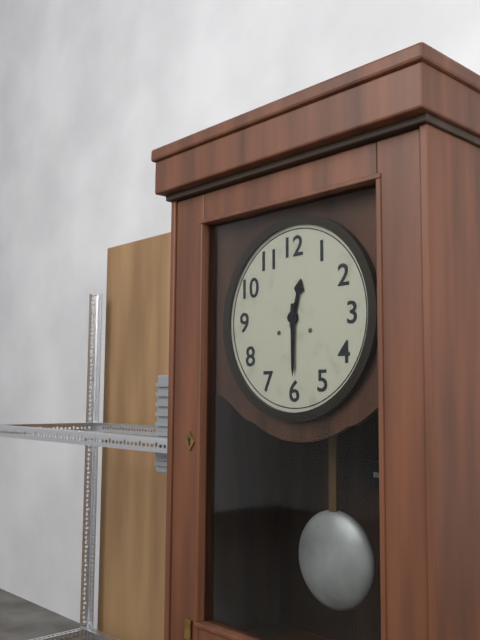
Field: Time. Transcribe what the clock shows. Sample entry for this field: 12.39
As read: 12.30
